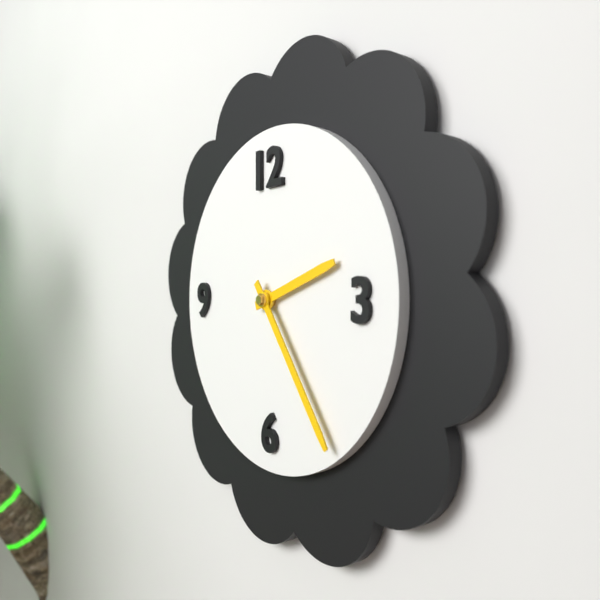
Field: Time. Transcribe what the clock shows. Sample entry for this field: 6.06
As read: 2.24
